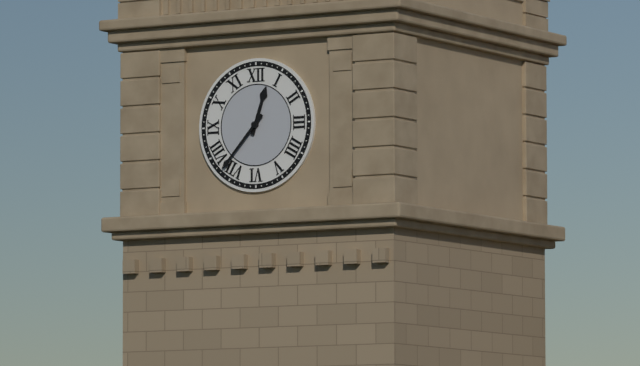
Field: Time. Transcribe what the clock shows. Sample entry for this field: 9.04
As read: 12.37
